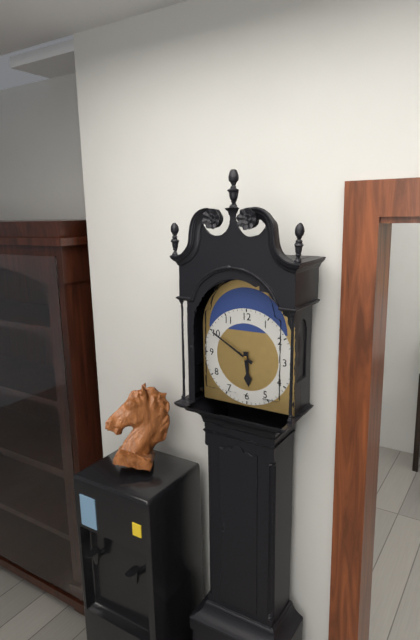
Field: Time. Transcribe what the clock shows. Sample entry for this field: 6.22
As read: 5.50
